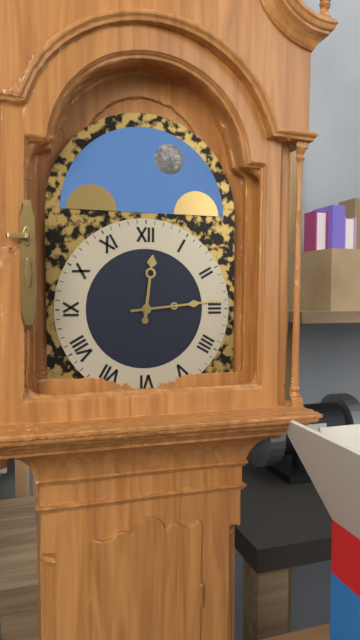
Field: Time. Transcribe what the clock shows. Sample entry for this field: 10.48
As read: 12.14
